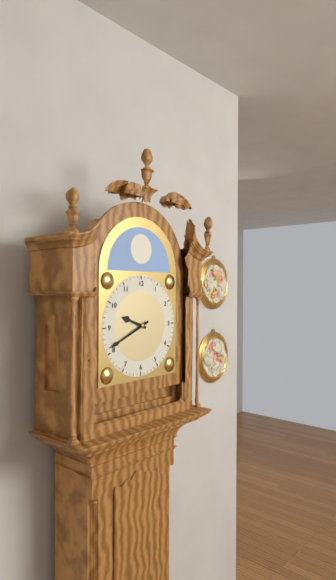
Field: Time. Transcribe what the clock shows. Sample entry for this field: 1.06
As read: 9.41
